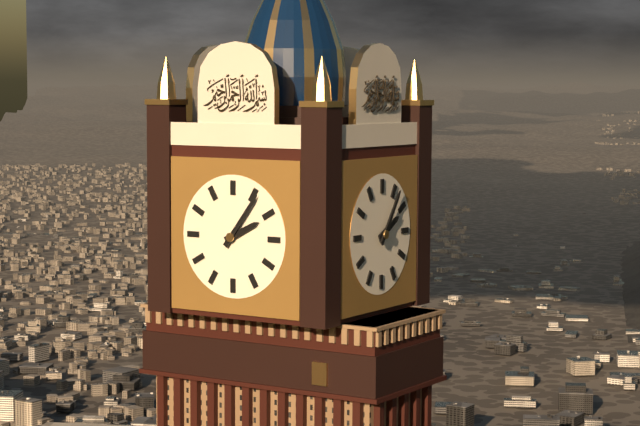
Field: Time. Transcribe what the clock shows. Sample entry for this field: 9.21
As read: 2.06
